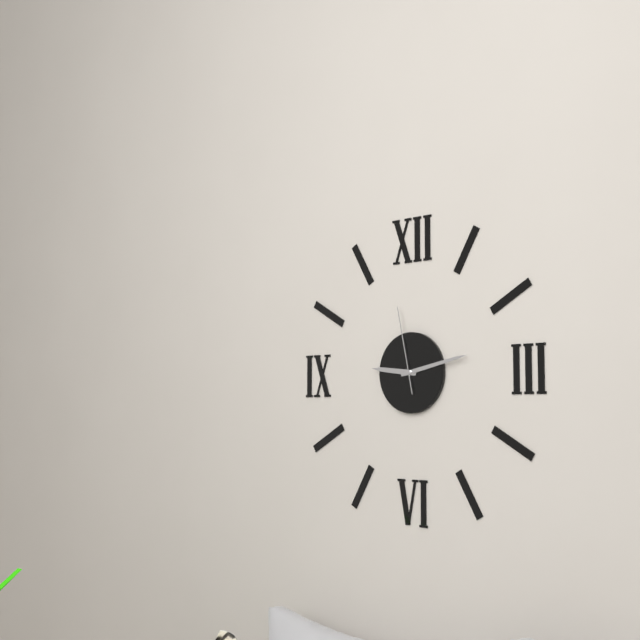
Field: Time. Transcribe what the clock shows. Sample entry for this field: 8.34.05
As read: 9.13.58
